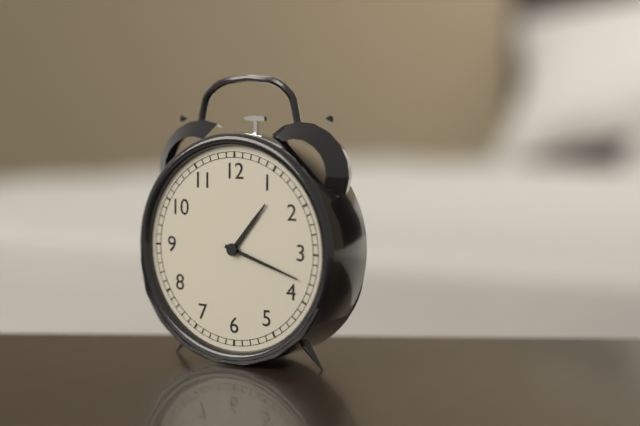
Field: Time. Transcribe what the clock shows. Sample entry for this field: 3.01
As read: 1.18
